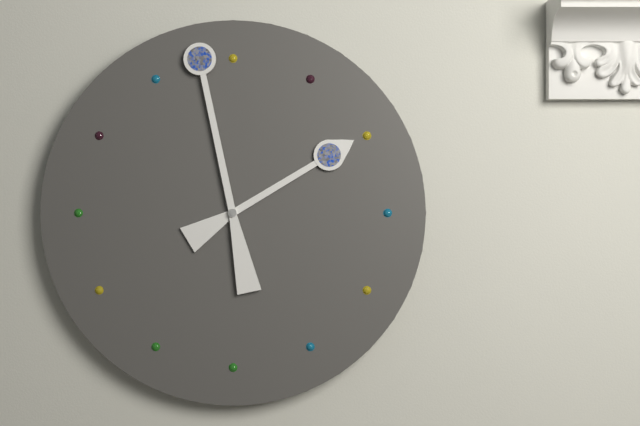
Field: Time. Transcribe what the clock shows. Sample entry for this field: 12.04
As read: 1.58
